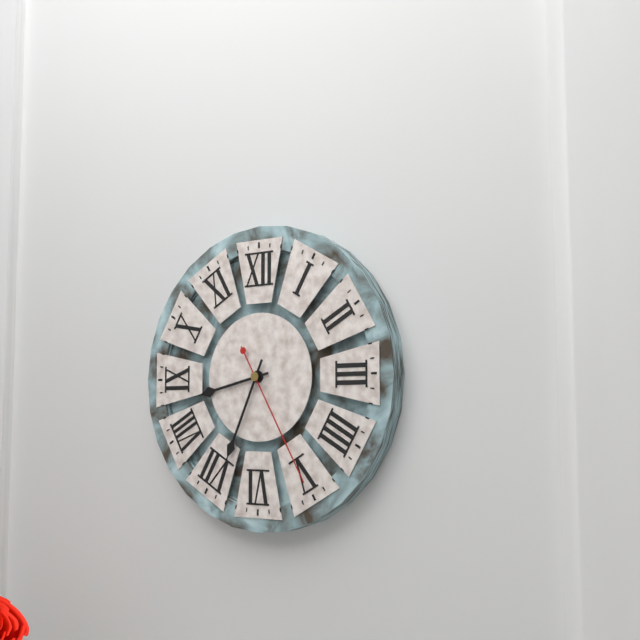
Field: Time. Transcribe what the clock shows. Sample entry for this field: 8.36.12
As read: 8.34.25
